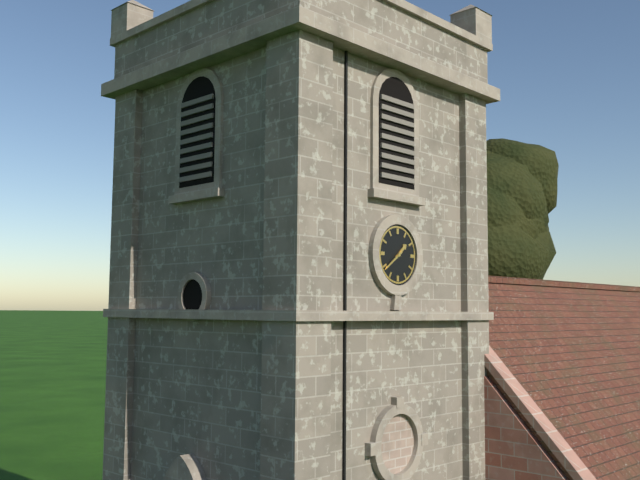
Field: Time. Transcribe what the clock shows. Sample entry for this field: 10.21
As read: 1.39
